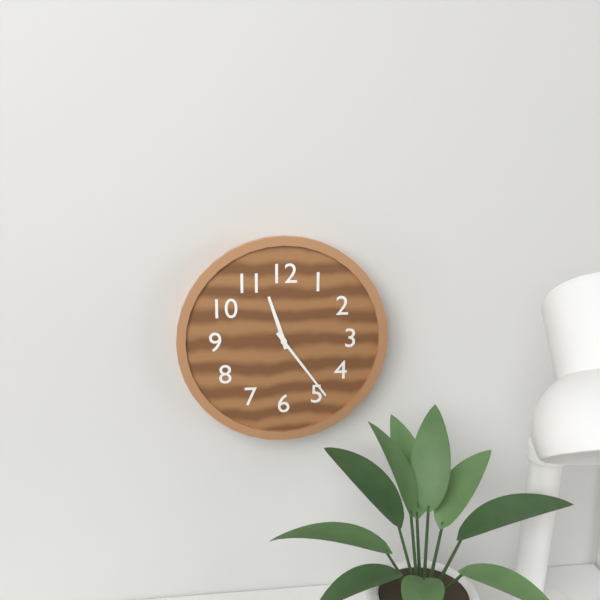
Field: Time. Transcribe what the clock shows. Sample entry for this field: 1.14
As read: 11.24
